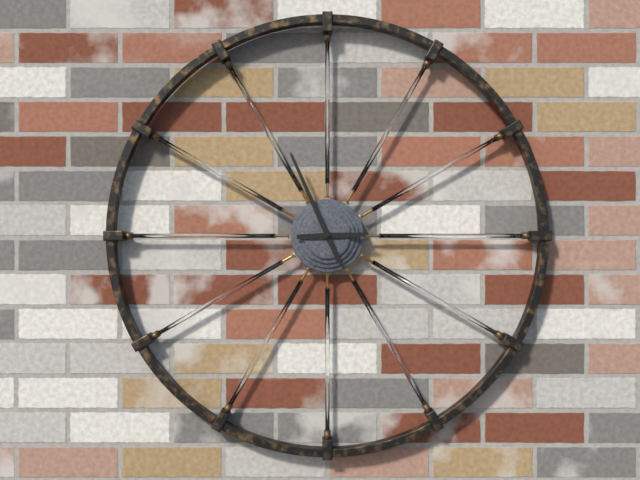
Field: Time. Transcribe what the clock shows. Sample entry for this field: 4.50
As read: 2.56
